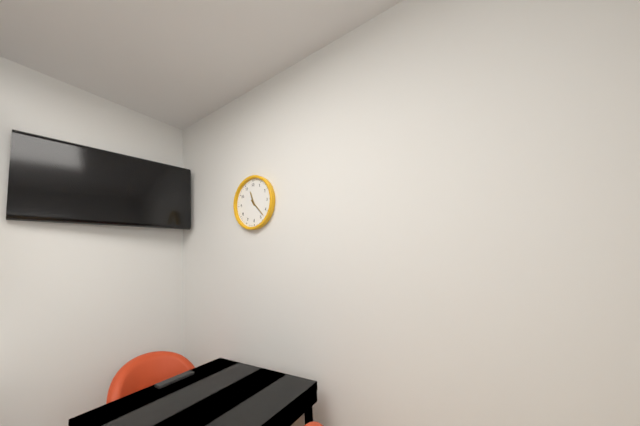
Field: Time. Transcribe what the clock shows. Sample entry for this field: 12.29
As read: 11.23
